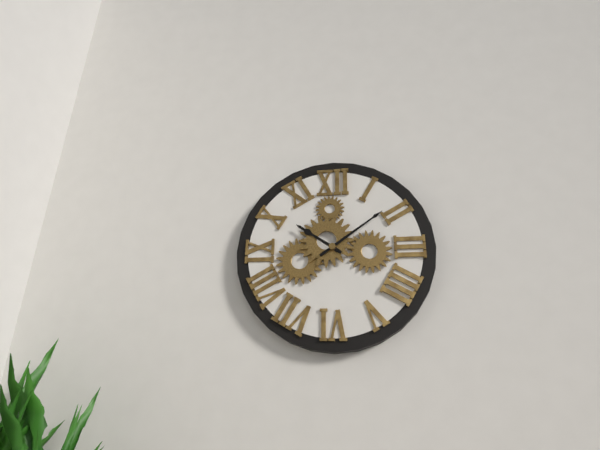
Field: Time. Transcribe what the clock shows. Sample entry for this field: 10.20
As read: 10.09
